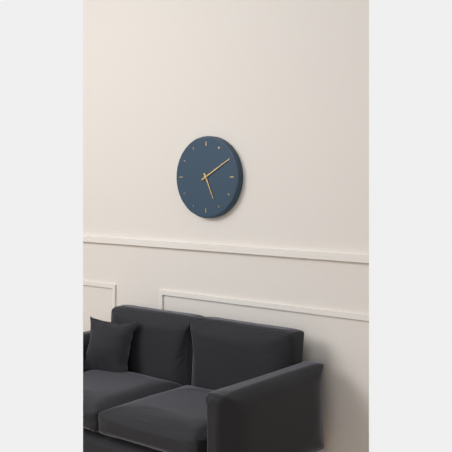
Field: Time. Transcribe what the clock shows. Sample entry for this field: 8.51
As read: 5.10
